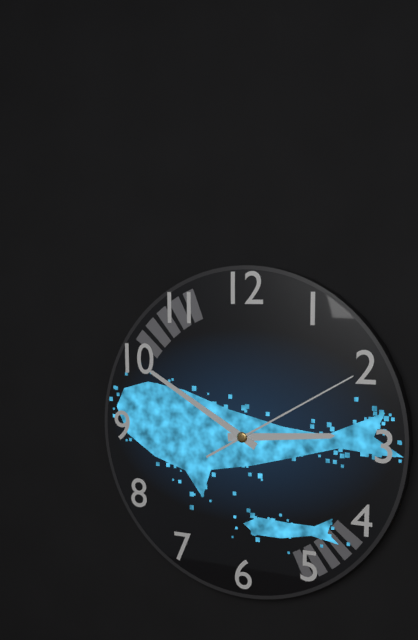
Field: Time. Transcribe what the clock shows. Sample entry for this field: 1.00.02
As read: 2.50.10
